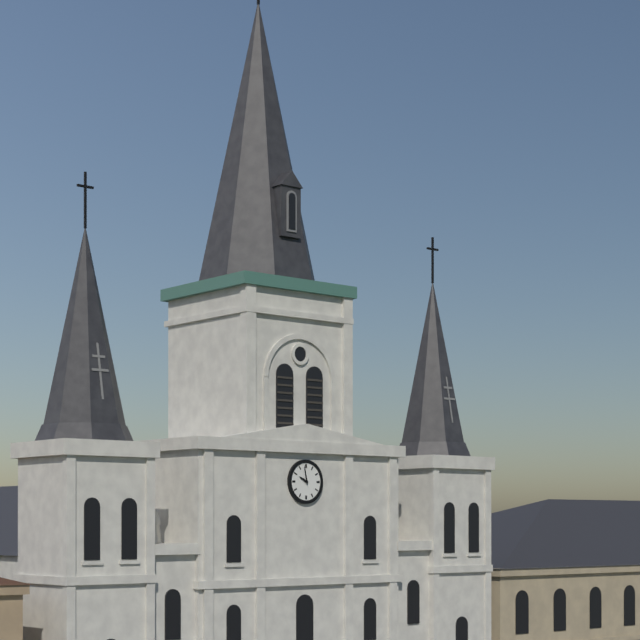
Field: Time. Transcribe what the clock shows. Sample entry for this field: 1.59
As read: 9.58
